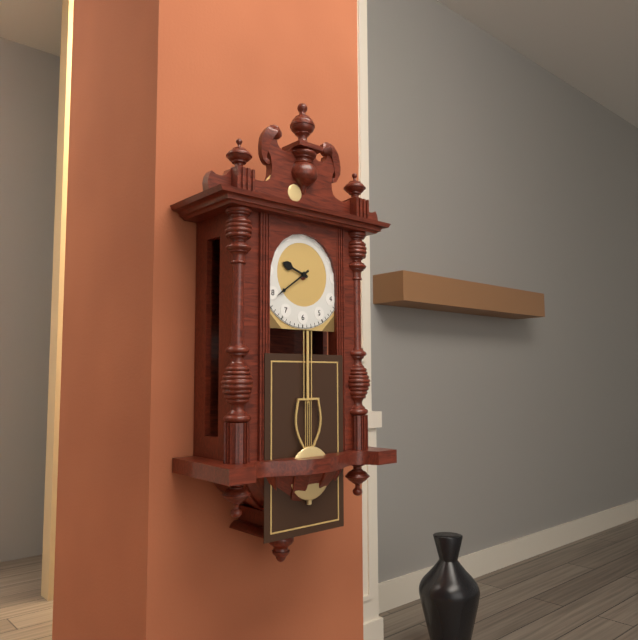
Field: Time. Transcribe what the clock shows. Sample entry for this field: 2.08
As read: 9.39
